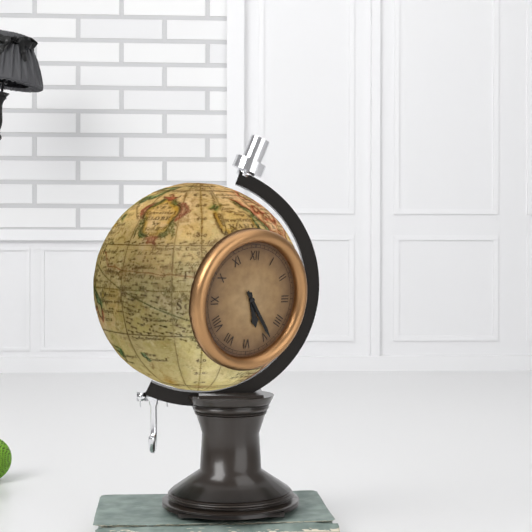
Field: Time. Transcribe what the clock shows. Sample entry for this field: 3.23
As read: 5.24
